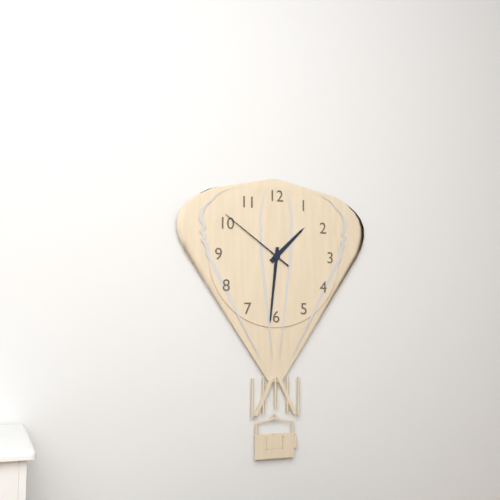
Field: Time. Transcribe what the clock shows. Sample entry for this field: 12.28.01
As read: 1.31.51
